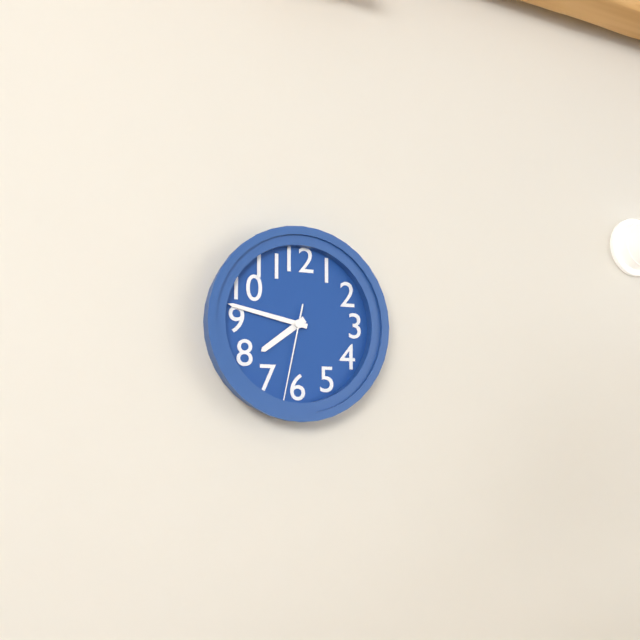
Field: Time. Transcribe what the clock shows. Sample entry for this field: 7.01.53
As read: 7.47.32
